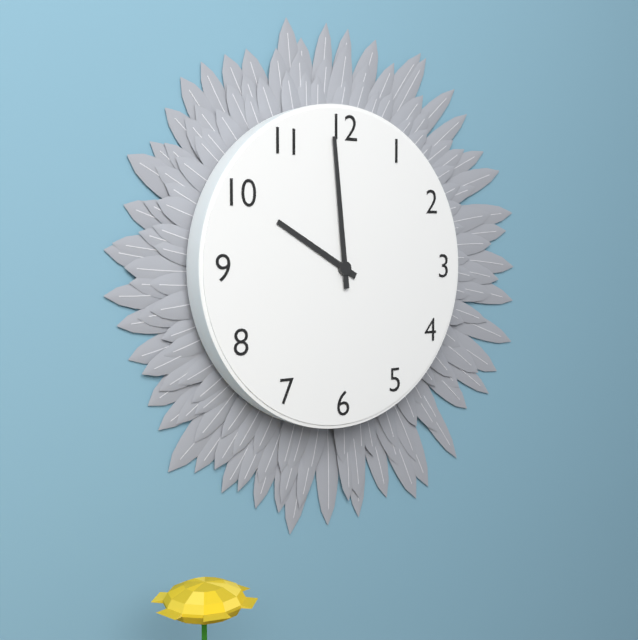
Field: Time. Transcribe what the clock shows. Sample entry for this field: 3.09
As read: 9.59
